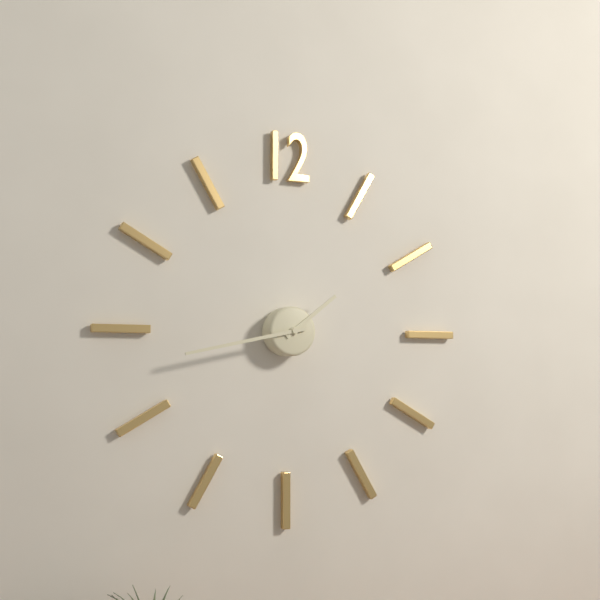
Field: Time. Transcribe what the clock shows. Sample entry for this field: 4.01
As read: 1.43
